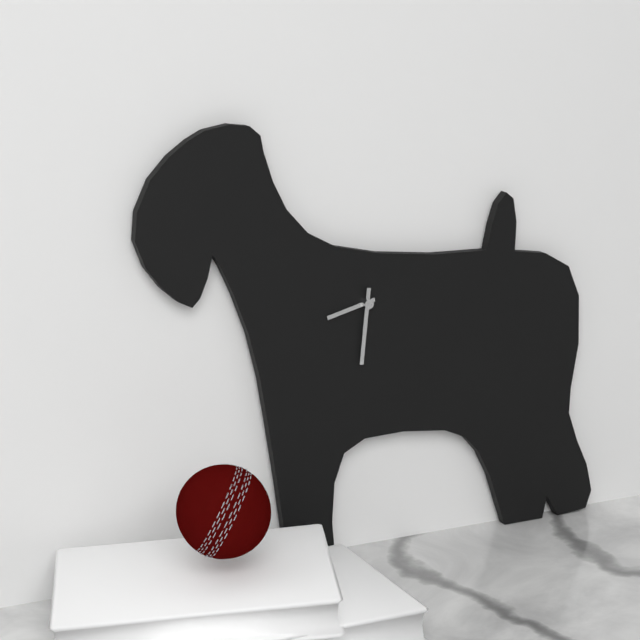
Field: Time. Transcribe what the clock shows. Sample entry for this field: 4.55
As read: 8.31
